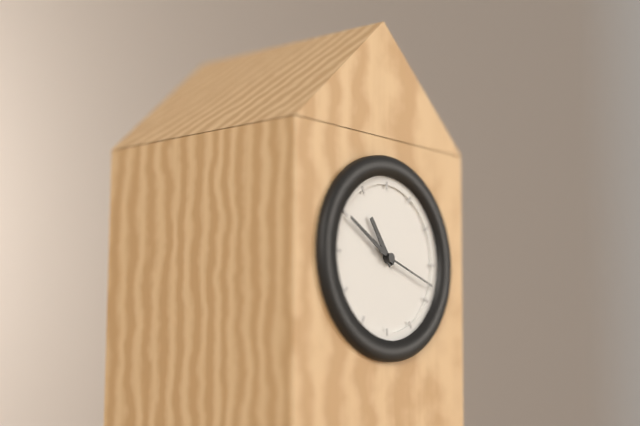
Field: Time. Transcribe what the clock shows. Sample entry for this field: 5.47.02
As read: 10.50.18
